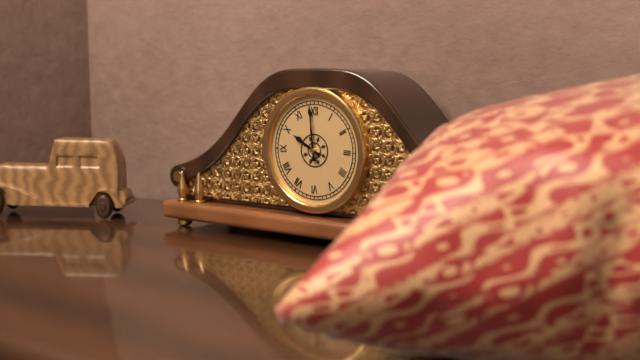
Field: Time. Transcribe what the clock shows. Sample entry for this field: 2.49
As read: 9.59
